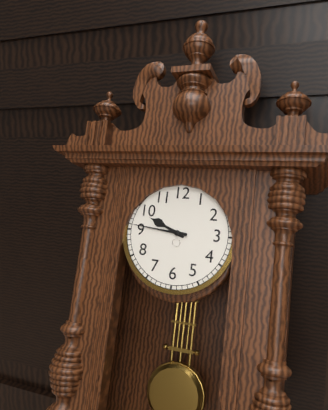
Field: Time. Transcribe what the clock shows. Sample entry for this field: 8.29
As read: 9.46
